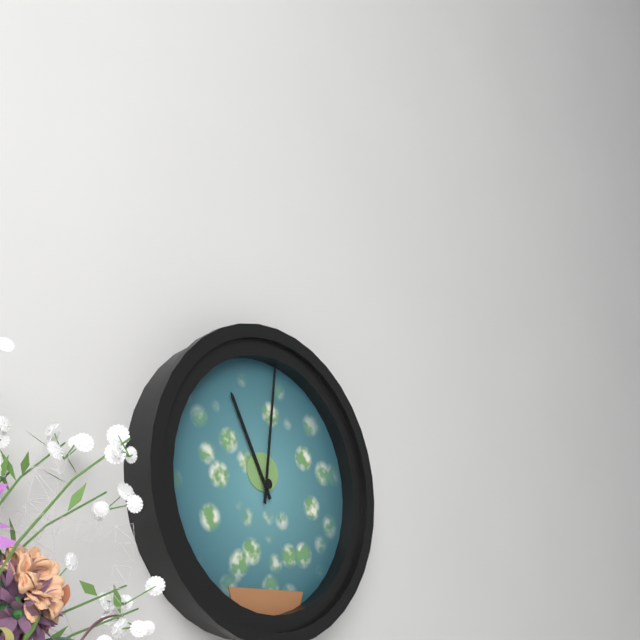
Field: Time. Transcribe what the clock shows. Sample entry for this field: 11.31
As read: 11.01
